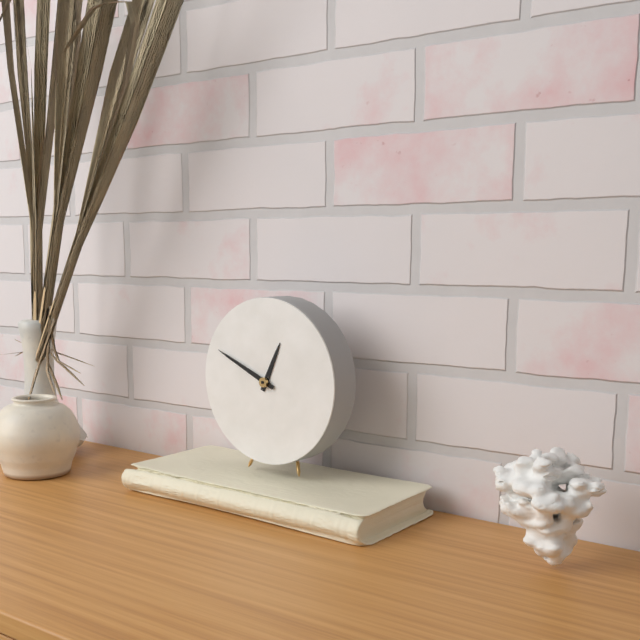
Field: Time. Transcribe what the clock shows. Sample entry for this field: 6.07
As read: 12.49
